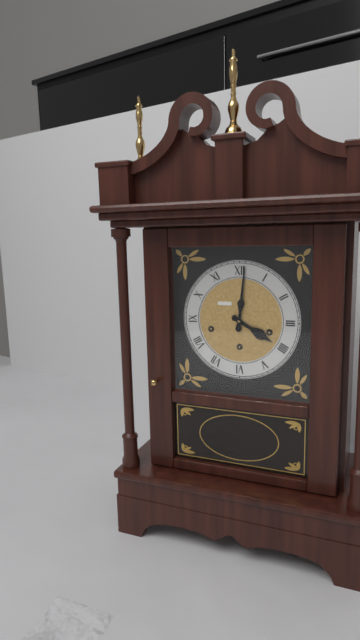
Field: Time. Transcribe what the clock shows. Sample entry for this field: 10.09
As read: 4.01
